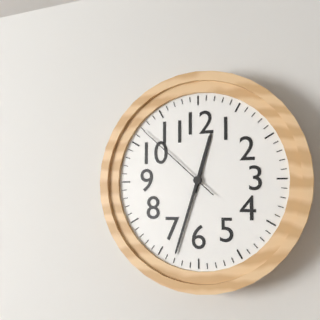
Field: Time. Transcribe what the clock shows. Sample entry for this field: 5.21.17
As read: 12.33.52
